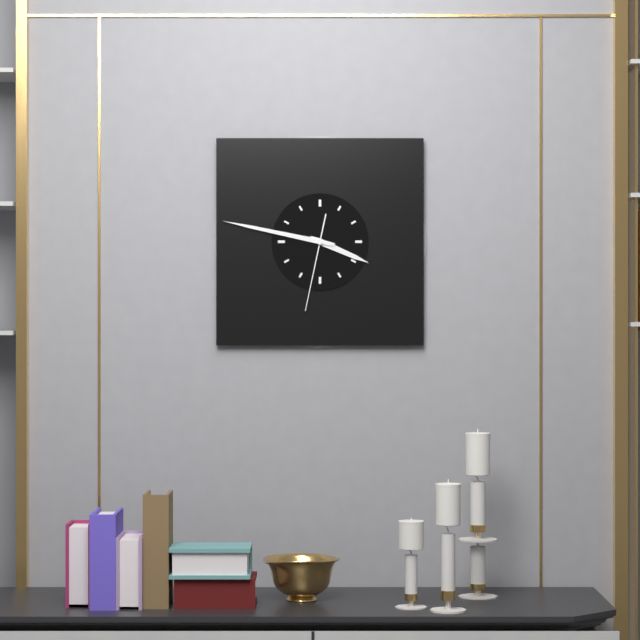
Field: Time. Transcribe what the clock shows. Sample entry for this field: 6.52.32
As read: 3.47.32
